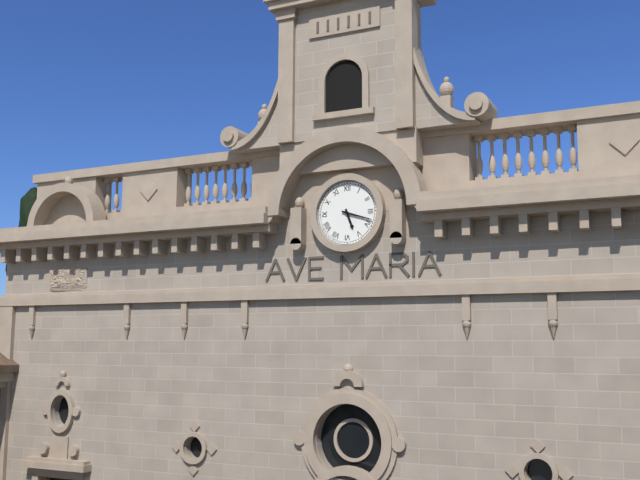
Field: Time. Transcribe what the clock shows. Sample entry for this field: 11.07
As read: 5.18
